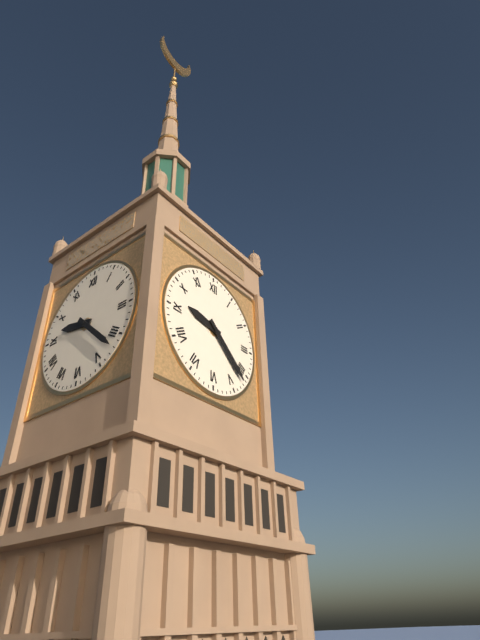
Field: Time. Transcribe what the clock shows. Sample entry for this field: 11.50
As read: 9.22
